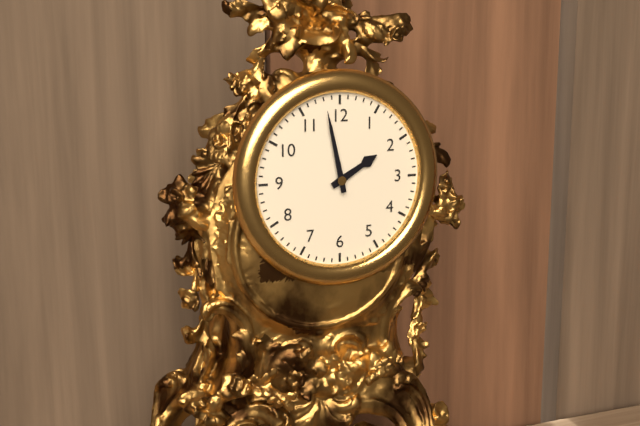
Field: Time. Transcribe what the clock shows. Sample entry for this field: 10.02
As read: 1.58
